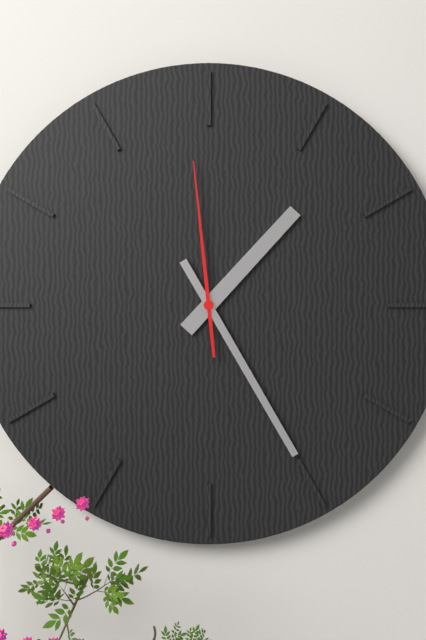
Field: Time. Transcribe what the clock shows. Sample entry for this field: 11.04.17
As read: 1.25.59
